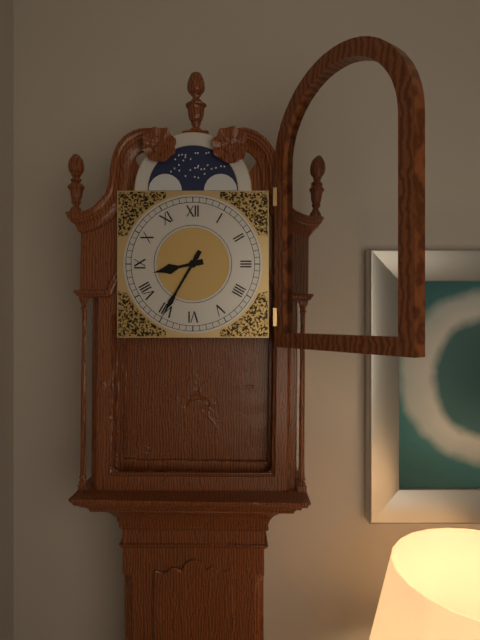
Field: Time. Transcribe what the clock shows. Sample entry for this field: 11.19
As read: 8.35
